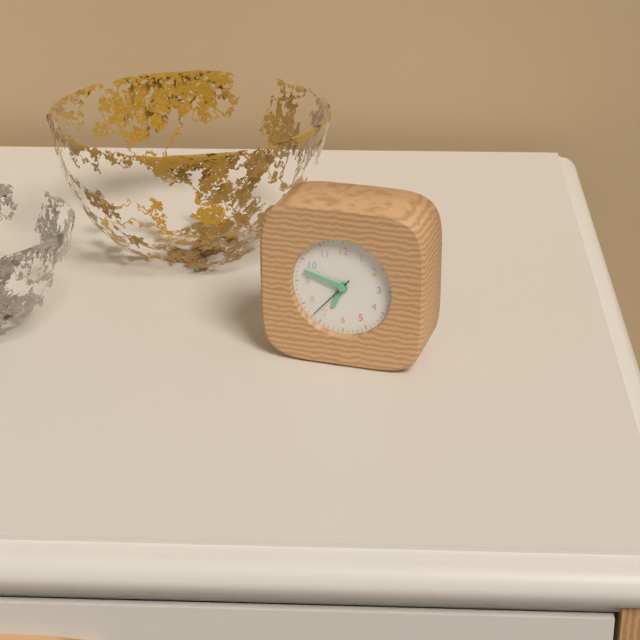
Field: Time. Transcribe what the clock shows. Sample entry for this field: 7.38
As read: 6.48
